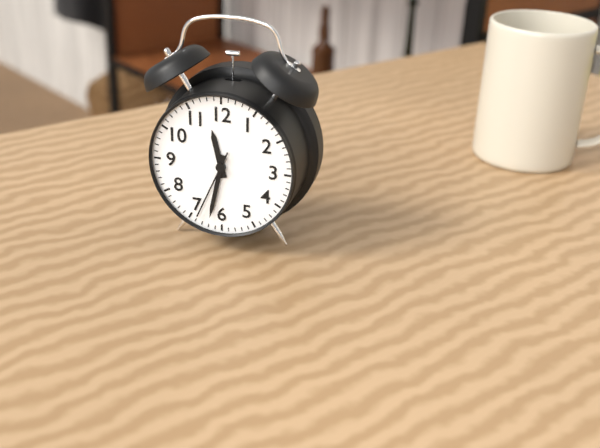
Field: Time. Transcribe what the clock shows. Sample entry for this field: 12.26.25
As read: 11.32.34
